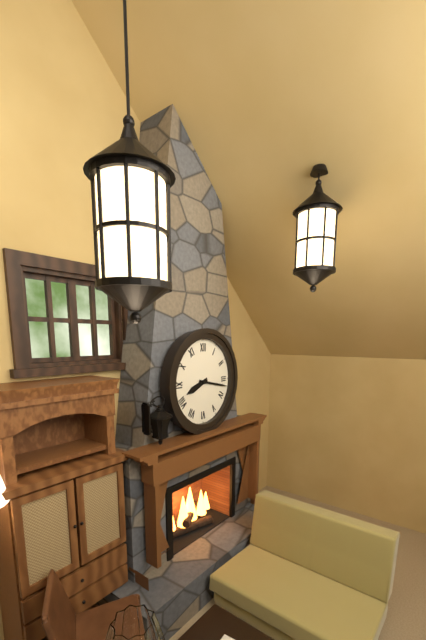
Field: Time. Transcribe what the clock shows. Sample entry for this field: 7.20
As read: 8.17
